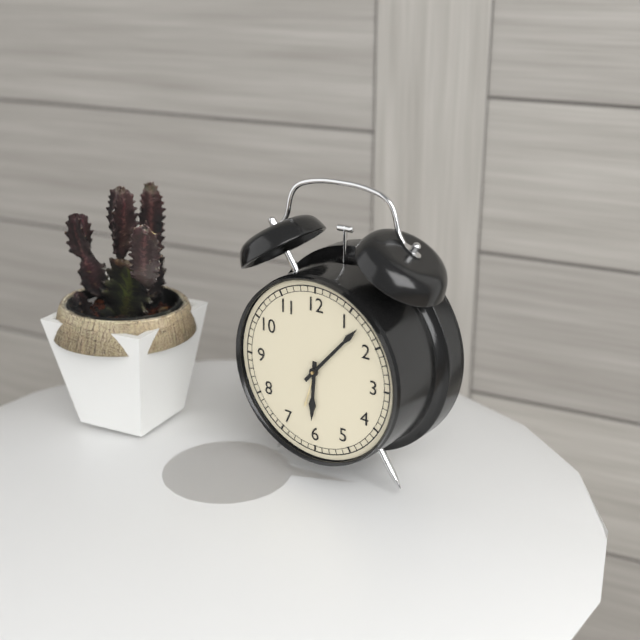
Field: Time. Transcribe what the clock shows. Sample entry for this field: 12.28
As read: 6.07
